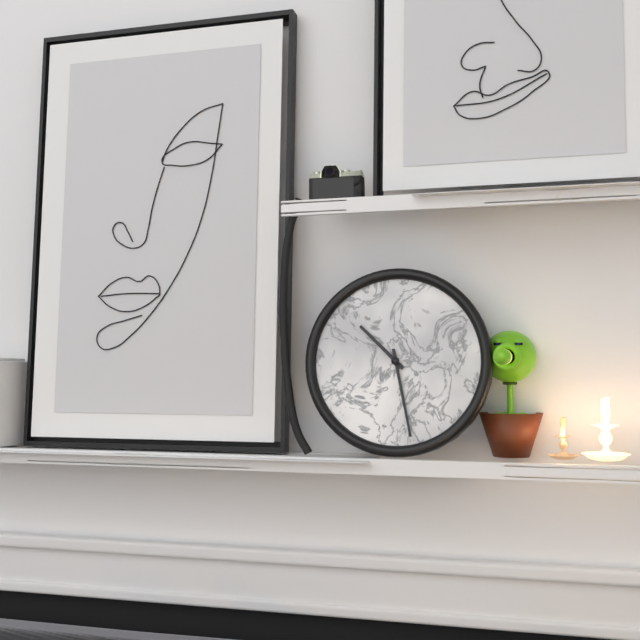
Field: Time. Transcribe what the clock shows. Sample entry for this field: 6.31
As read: 10.28
